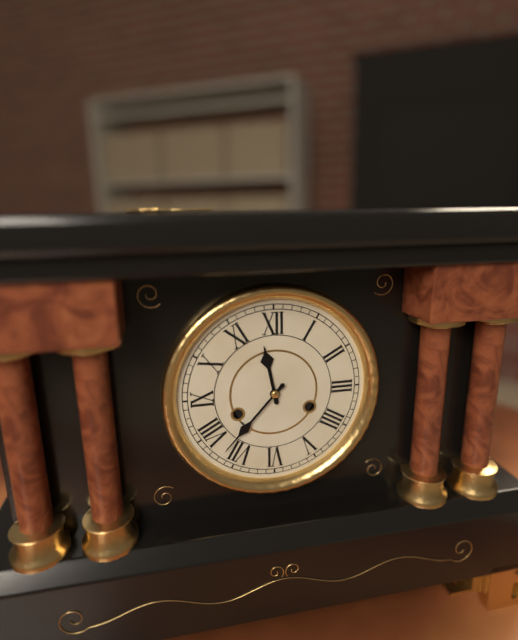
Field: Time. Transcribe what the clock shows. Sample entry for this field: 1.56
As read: 11.37
